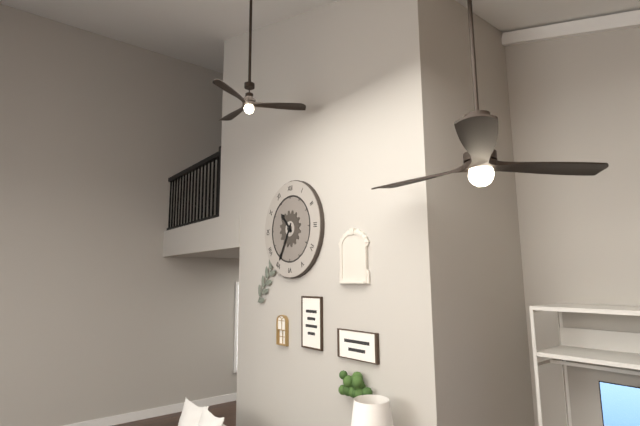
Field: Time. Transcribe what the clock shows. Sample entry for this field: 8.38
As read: 10.35
